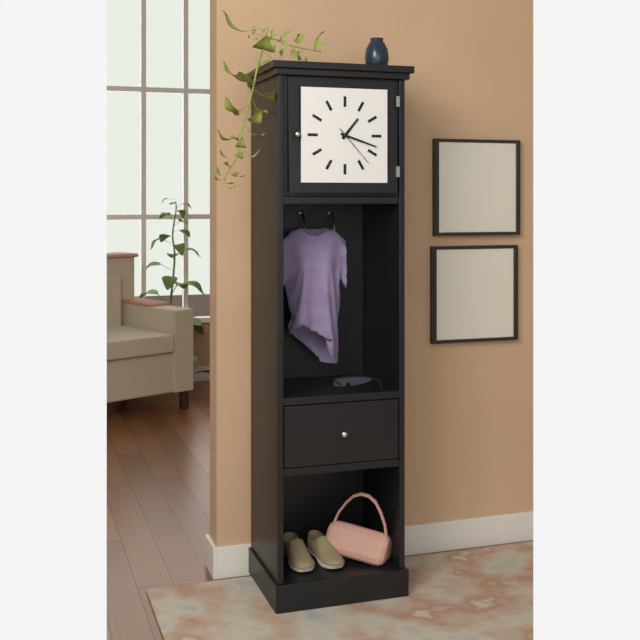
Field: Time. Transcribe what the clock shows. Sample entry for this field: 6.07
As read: 1.18
